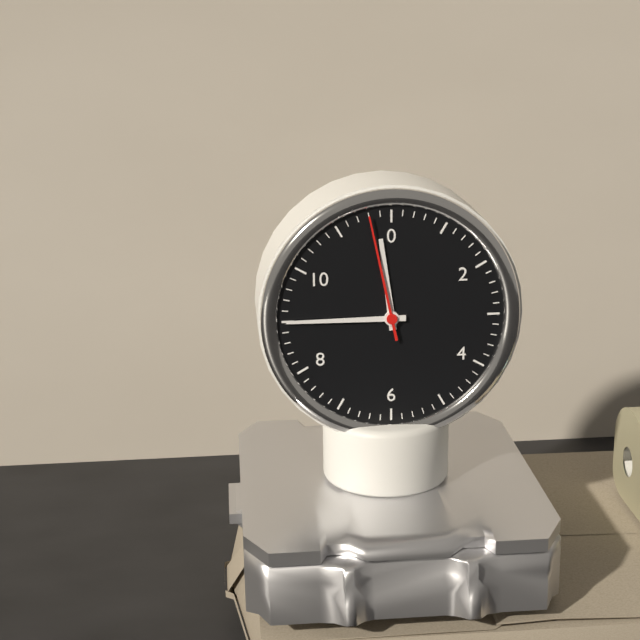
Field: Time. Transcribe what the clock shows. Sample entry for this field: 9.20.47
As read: 11.45.58
